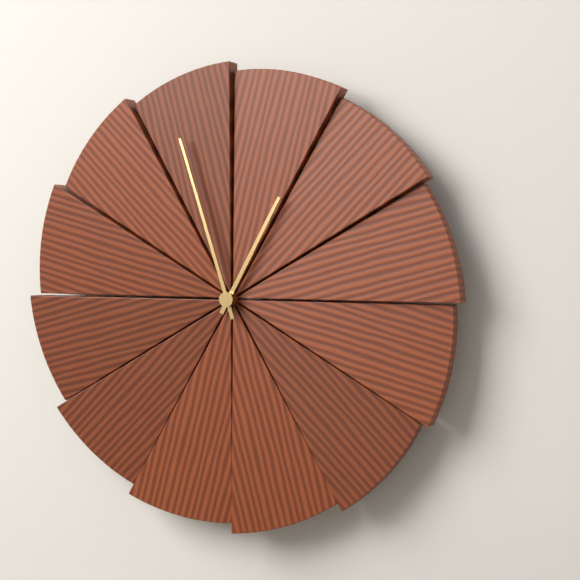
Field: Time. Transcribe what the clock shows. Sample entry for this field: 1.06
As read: 12.57
